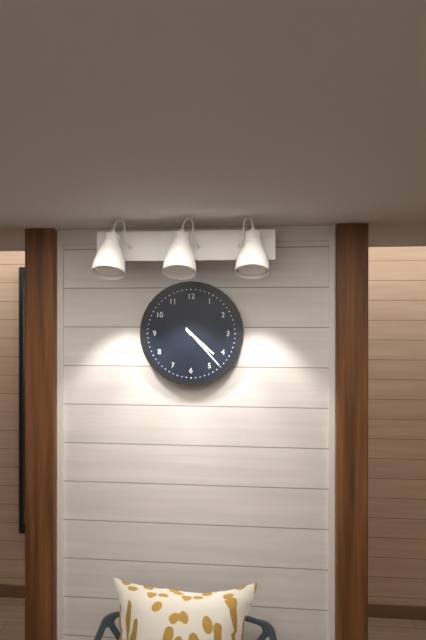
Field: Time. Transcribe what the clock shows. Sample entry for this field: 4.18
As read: 4.23
